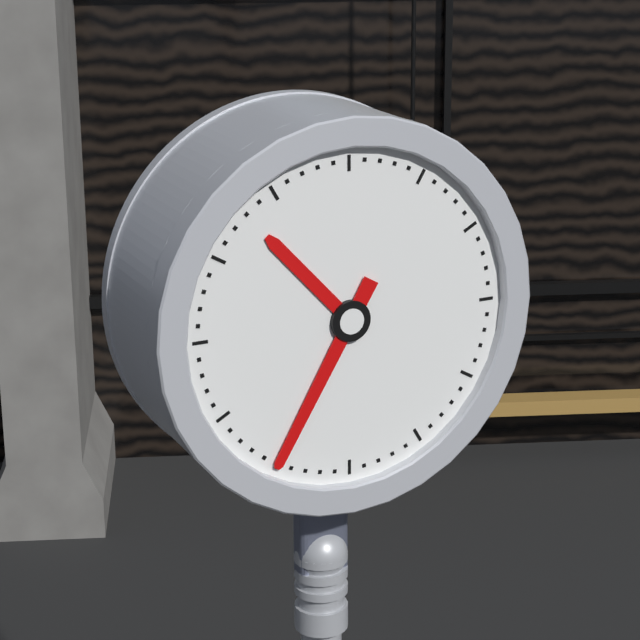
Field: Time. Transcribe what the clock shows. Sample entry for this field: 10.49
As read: 10.35
